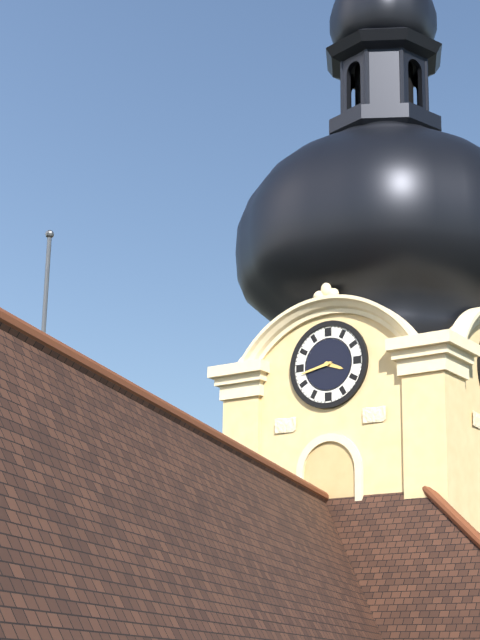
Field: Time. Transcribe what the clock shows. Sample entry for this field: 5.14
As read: 3.43
